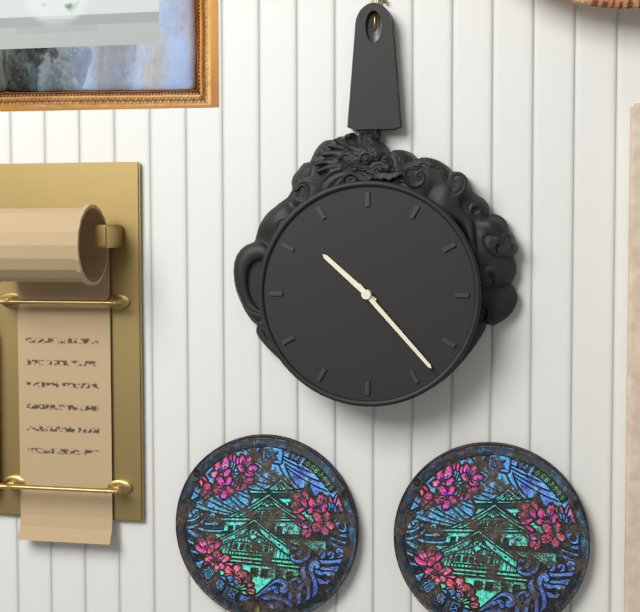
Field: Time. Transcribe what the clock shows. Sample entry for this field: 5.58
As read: 10.23
